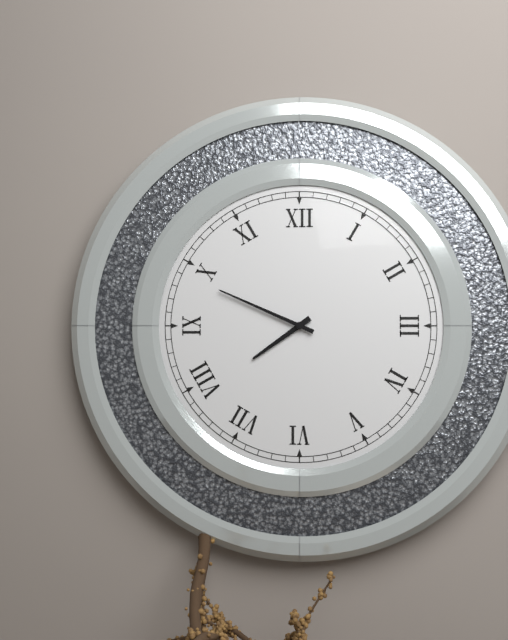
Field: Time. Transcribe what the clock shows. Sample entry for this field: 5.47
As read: 7.49
